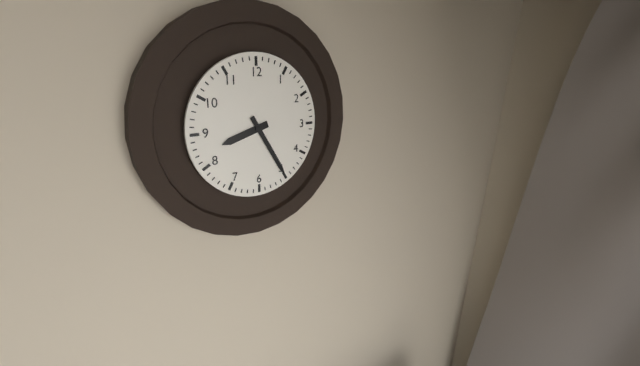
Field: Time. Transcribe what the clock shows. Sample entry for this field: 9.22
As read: 8.25
